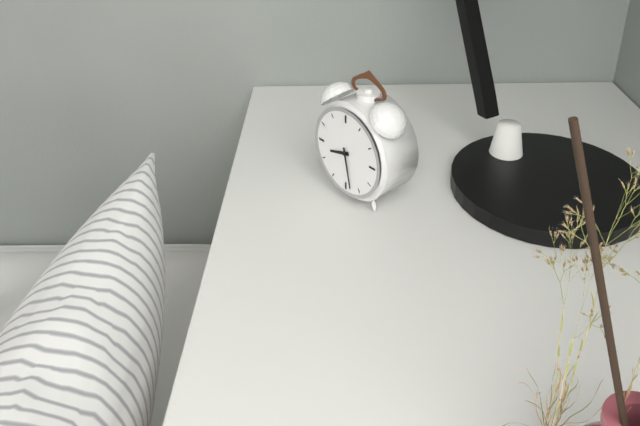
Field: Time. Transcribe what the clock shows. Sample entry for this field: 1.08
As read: 8.28
